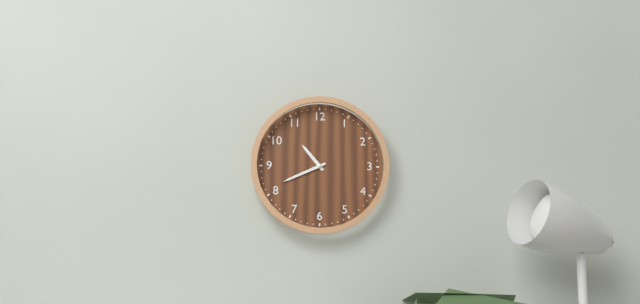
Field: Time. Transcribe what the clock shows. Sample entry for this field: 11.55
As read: 10.41
